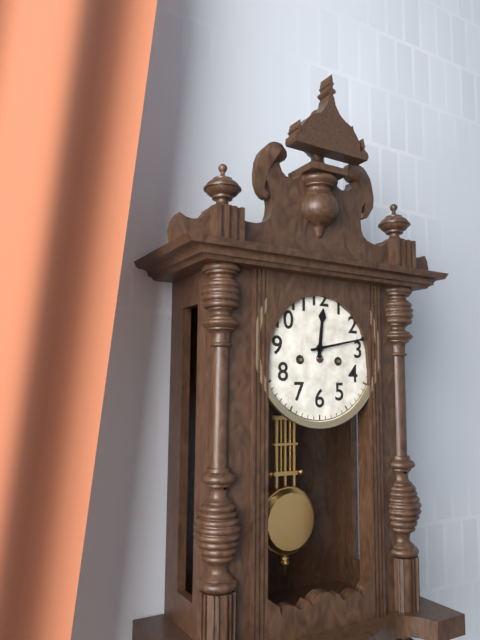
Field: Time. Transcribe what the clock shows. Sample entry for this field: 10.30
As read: 12.13
